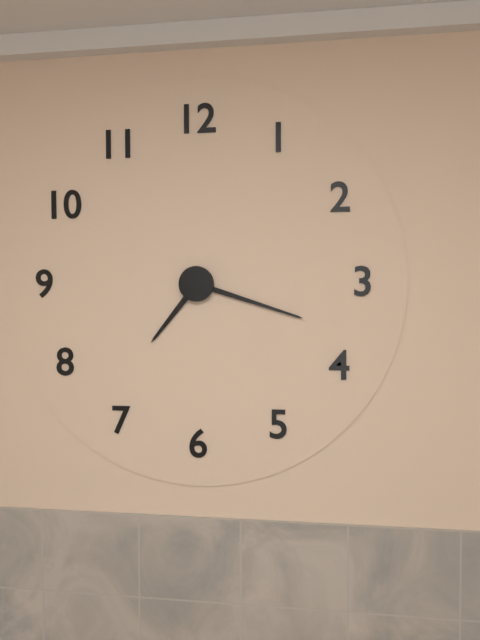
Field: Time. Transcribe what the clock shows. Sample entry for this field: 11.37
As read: 7.18
